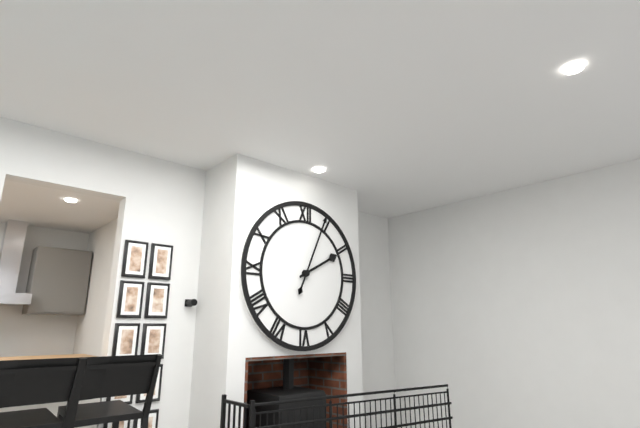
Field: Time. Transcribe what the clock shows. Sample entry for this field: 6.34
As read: 2.04
